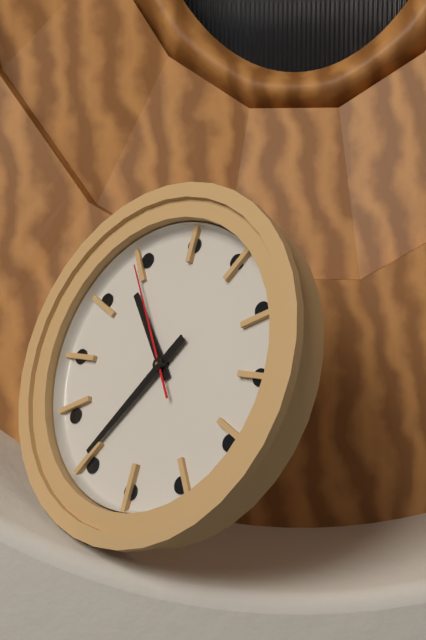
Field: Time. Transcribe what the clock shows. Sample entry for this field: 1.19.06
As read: 10.36.54
